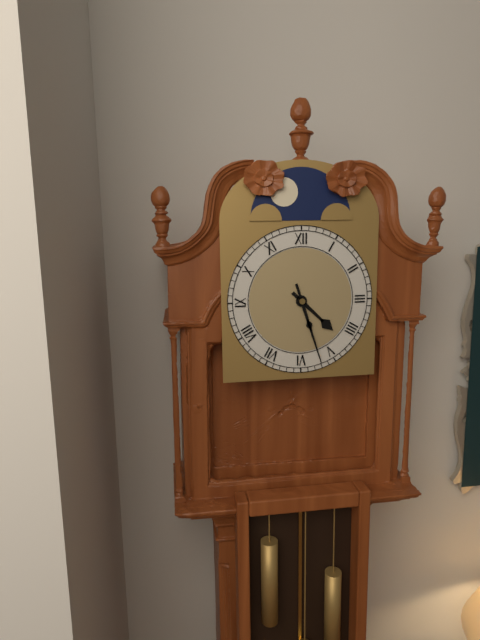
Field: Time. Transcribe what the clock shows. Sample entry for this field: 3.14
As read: 4.27
